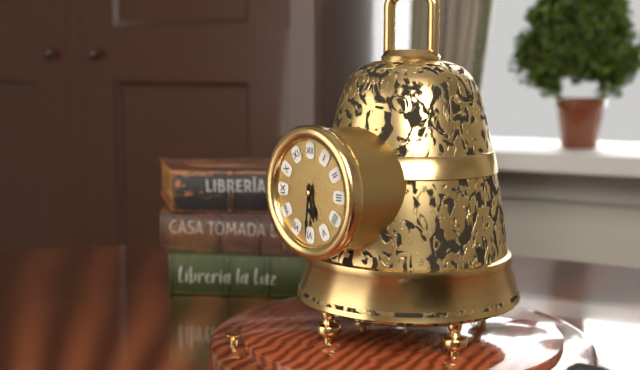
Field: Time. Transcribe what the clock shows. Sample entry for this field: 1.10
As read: 5.31
